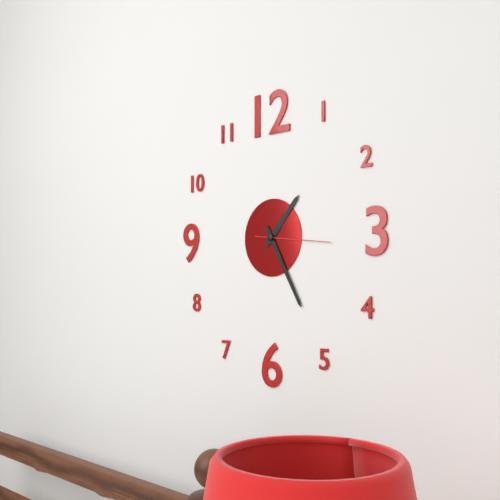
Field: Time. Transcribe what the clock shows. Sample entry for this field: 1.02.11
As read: 1.25.16
